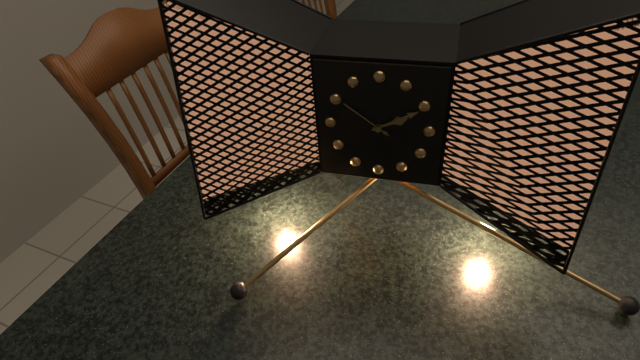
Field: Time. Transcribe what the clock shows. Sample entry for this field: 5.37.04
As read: 2.10.51
